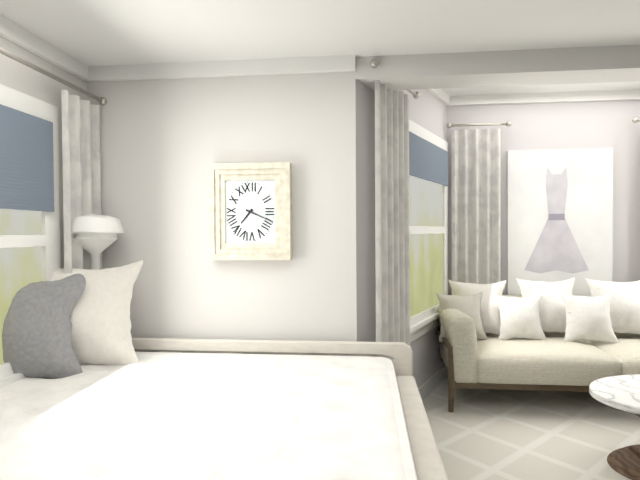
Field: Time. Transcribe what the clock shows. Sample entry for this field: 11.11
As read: 7.19
